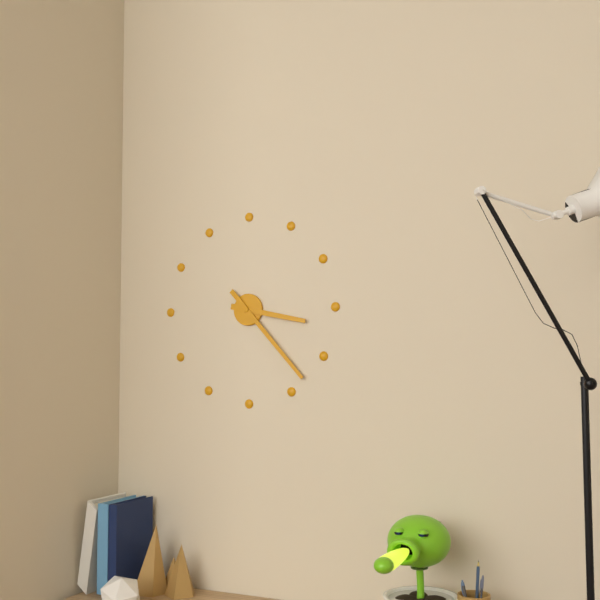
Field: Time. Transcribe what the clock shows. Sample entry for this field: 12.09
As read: 3.23
